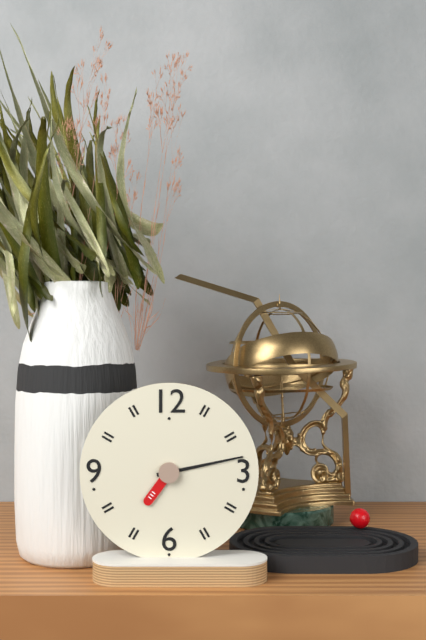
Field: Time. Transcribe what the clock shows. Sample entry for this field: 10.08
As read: 7.13
